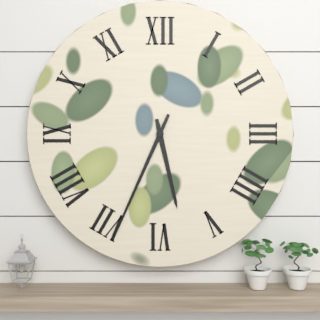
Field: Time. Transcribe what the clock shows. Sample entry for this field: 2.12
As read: 5.34
